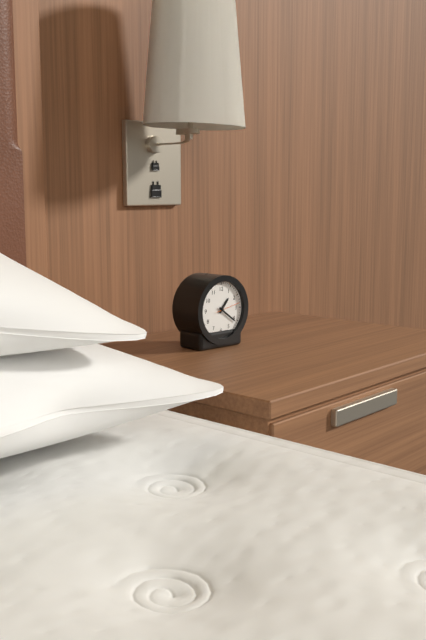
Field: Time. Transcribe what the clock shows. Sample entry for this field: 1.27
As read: 1.21
